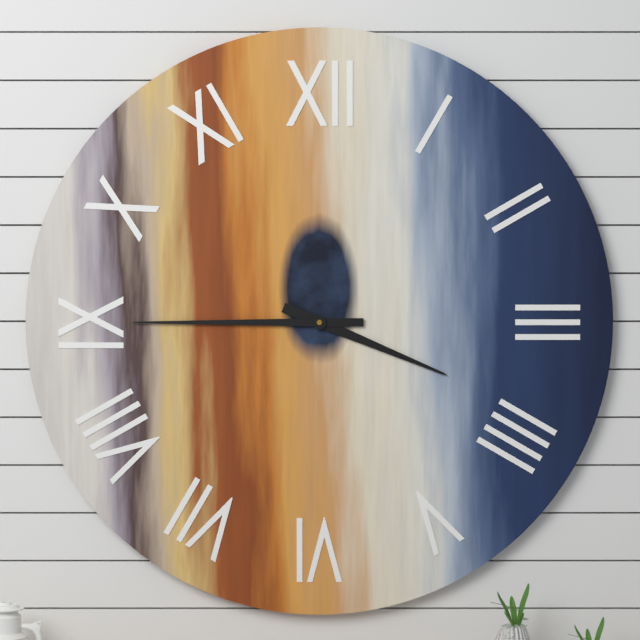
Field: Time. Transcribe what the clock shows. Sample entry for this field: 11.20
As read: 3.45
